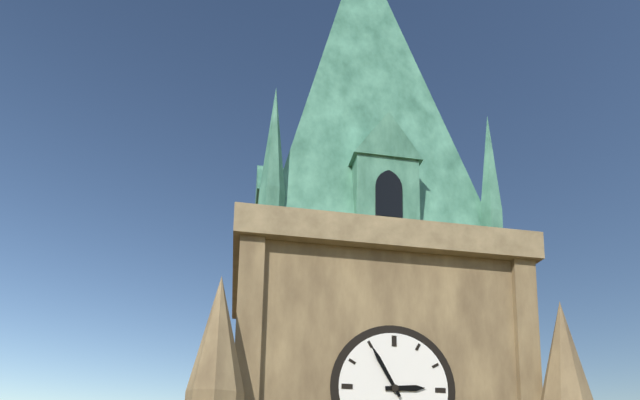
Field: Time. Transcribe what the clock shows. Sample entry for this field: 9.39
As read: 2.55
